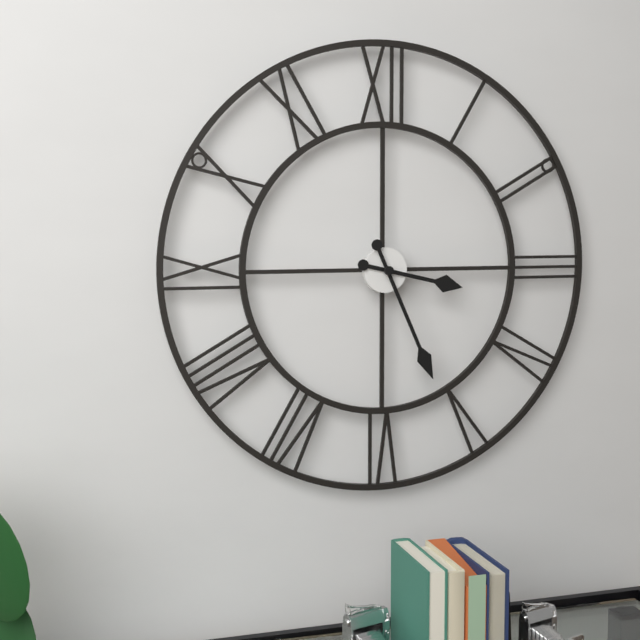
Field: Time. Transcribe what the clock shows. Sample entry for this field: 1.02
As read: 3.26
